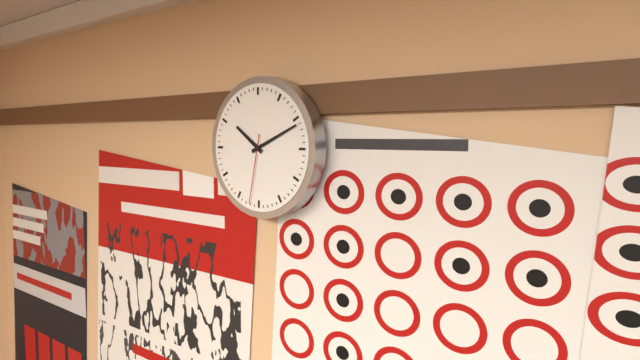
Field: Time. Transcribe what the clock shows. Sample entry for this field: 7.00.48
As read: 10.11.32
